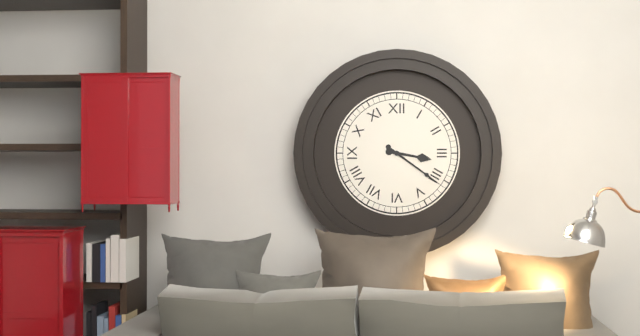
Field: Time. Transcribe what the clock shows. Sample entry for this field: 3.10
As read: 3.21
